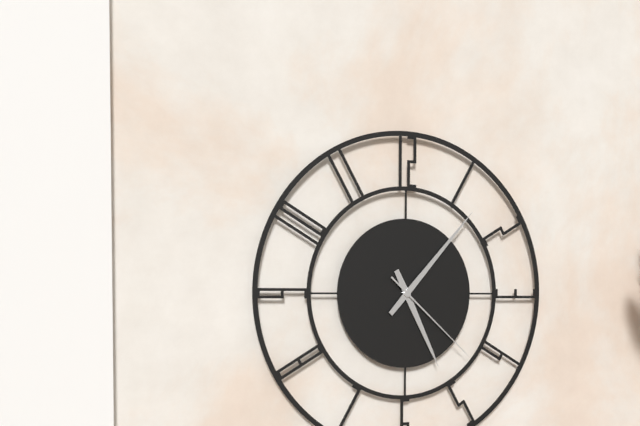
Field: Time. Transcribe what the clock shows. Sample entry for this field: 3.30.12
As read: 5.07.22
